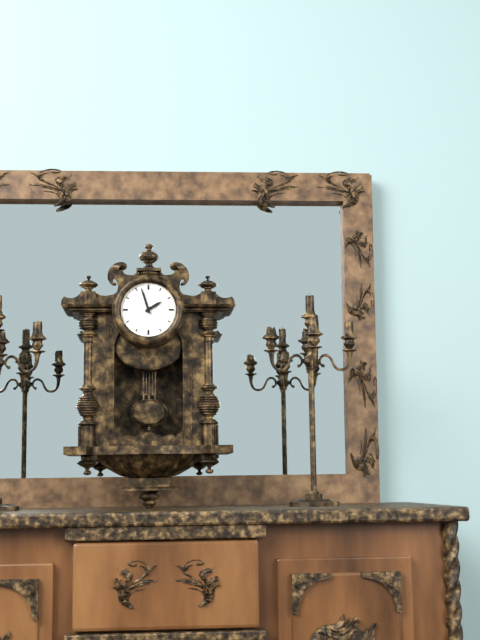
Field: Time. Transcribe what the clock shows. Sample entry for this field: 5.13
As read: 1.57
